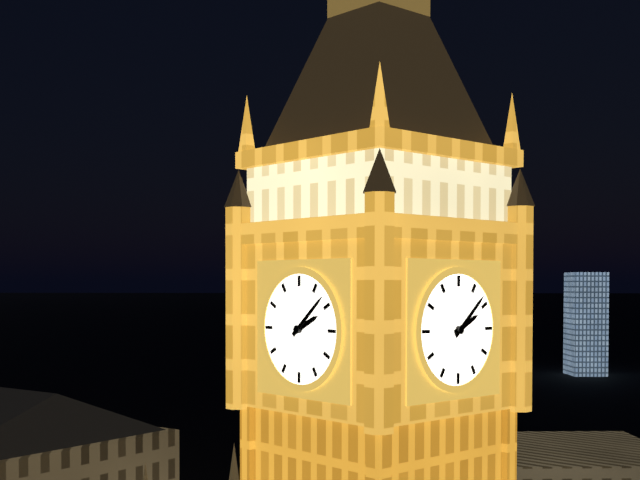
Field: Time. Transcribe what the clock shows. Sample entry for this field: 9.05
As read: 2.08
